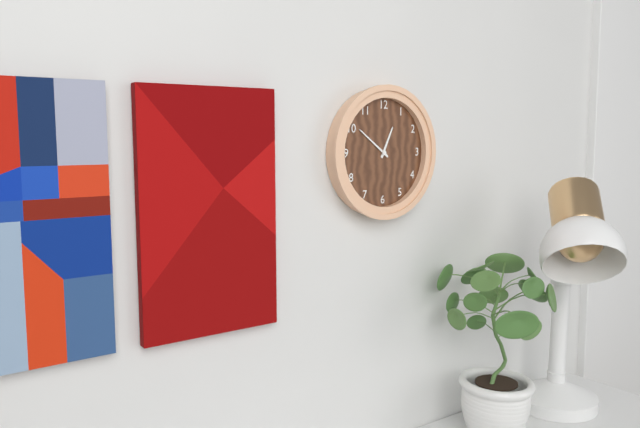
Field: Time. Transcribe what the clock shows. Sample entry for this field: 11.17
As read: 12.51
